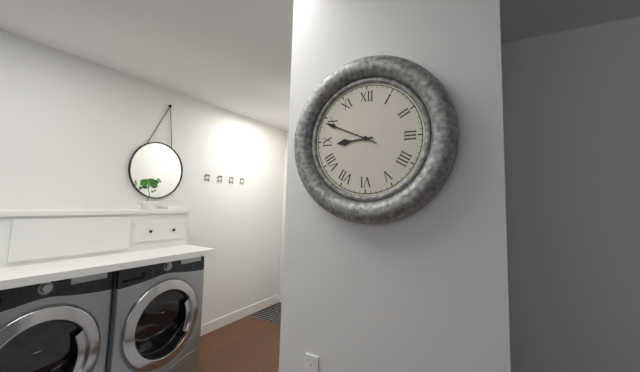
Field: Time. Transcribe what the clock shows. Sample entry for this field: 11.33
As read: 8.49
